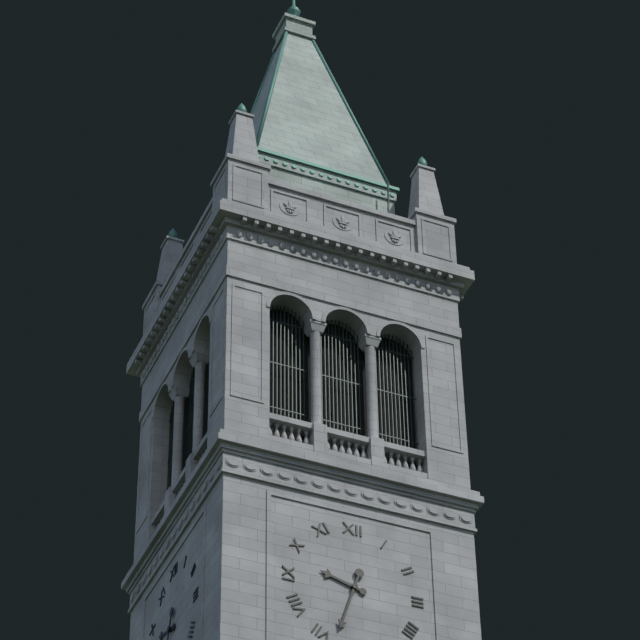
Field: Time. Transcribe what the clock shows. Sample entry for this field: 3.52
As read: 9.33
